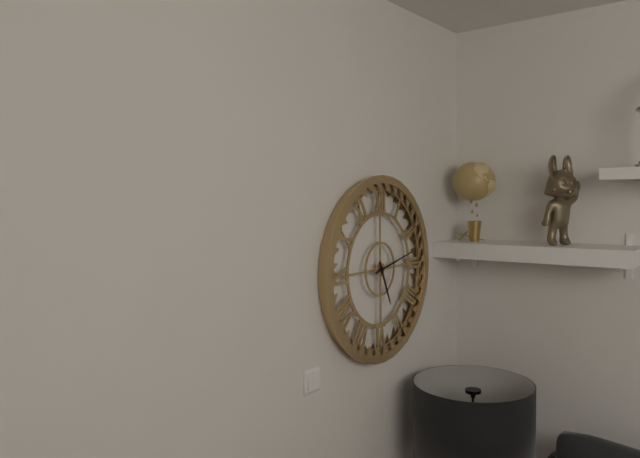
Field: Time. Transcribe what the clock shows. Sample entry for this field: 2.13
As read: 5.13
